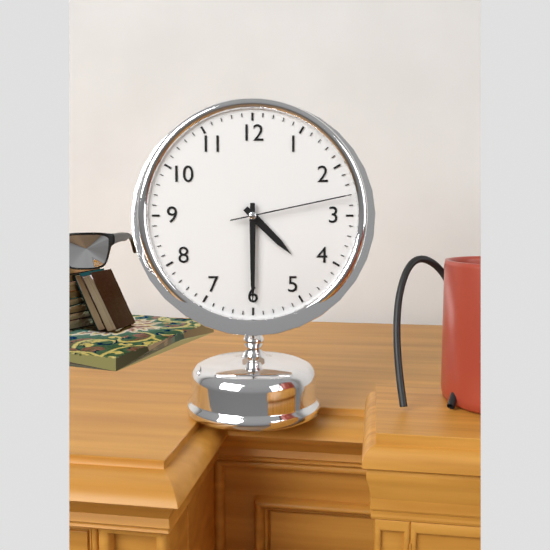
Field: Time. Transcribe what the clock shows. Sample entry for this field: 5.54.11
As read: 4.30.13
